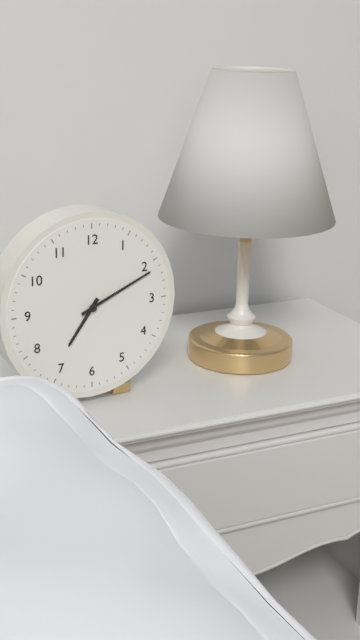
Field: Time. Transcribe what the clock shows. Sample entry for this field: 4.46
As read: 7.11
